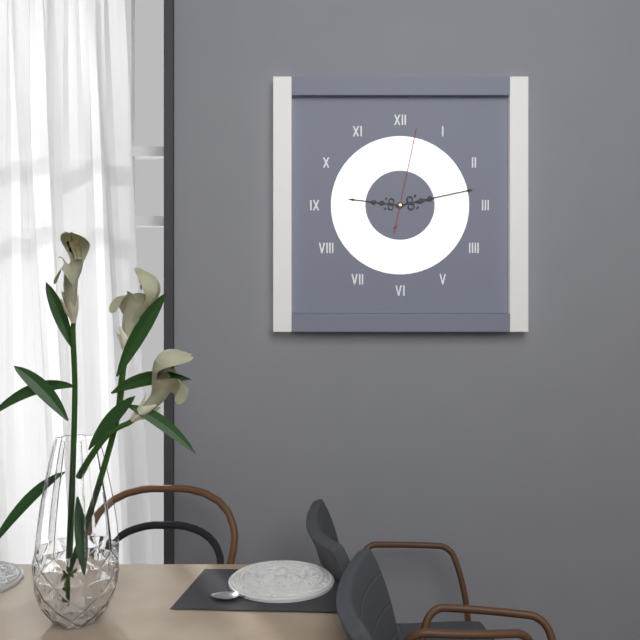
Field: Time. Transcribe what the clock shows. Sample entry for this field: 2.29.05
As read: 9.13.02
